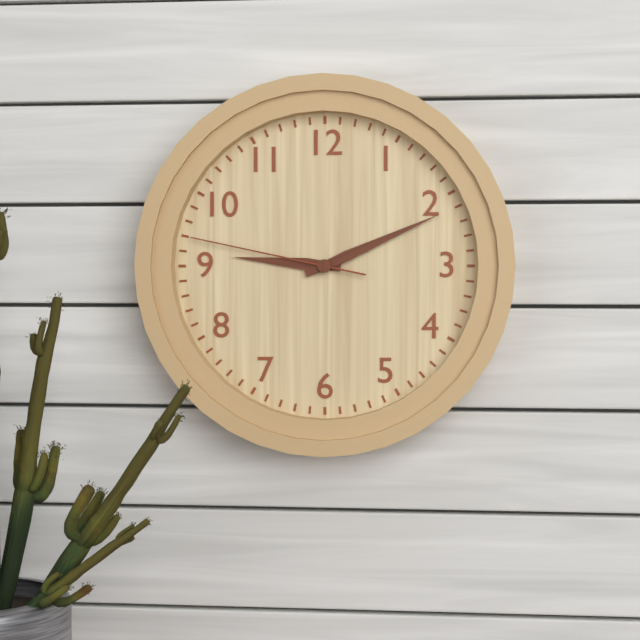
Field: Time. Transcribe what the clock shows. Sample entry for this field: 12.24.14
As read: 9.11.47
